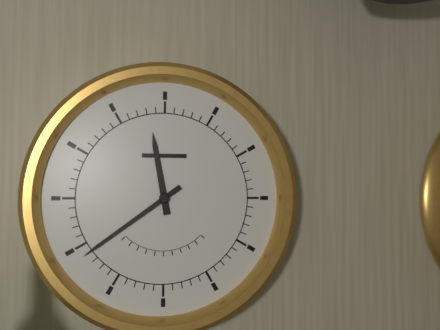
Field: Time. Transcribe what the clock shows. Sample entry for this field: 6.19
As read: 11.39
